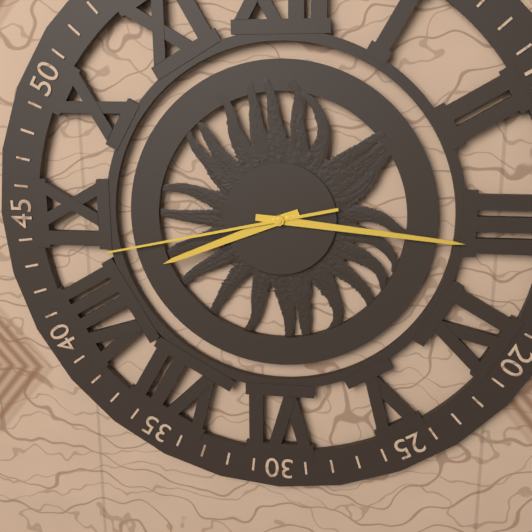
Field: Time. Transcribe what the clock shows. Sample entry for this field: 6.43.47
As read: 8.16.43
